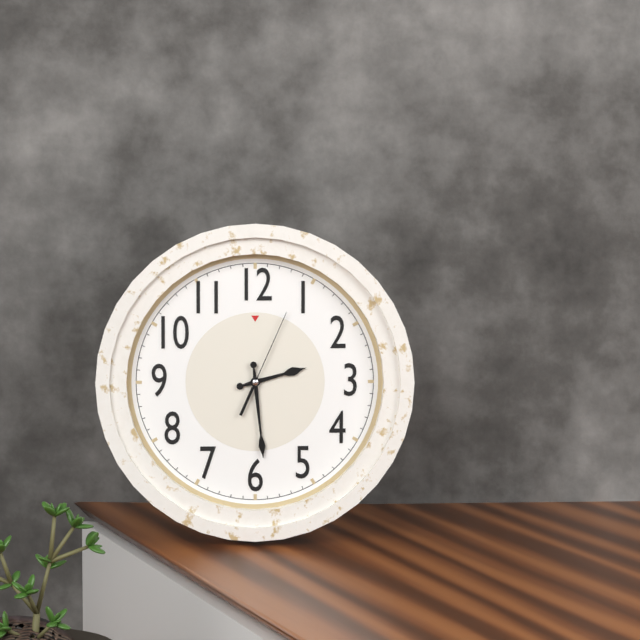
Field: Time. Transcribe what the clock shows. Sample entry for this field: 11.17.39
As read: 2.29.04
